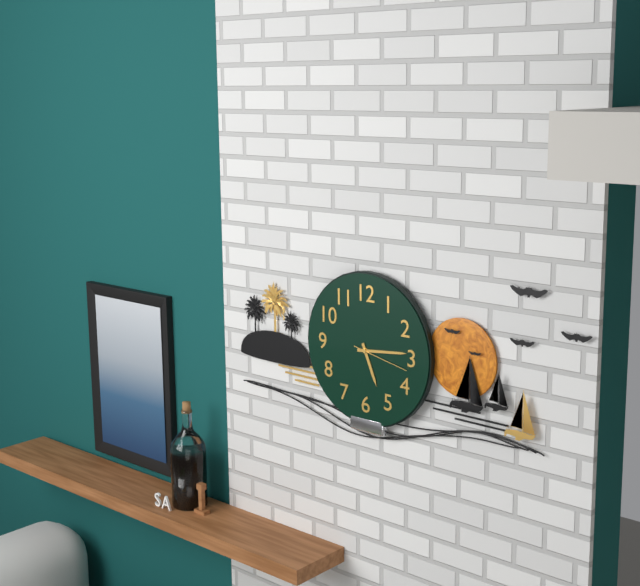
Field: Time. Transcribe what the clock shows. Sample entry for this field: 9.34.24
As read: 5.14.17
